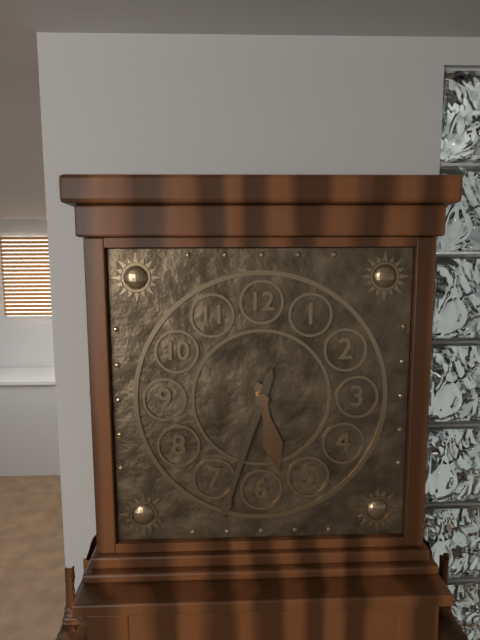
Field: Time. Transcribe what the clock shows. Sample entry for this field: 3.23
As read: 5.33
